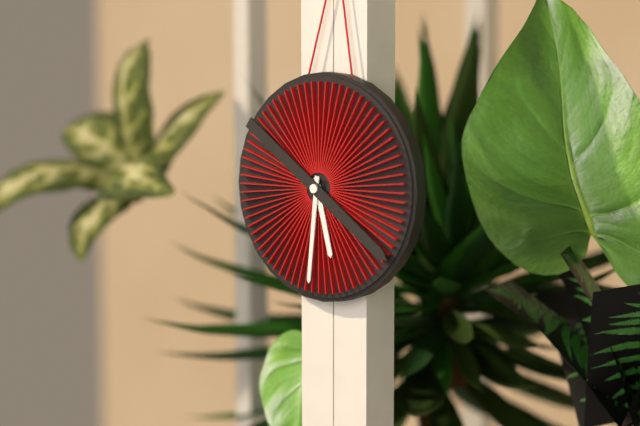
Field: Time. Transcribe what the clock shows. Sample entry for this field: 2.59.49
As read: 5.31.21
